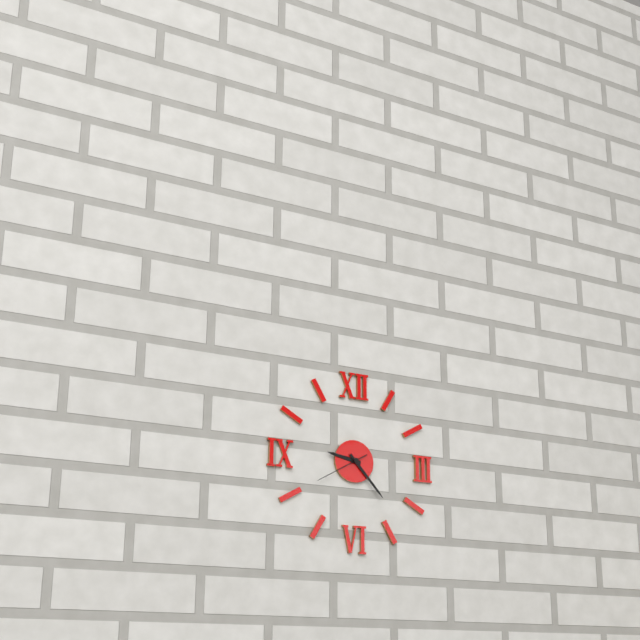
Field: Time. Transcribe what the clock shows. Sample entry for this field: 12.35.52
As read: 9.23.40
